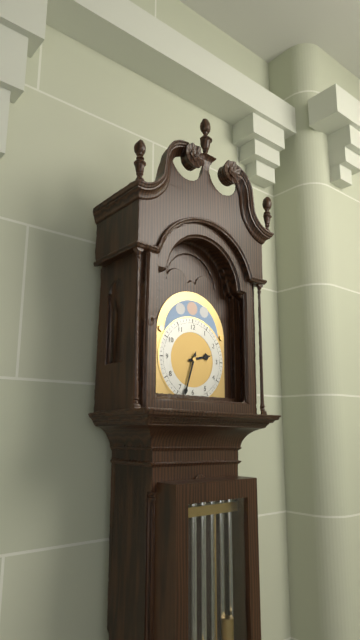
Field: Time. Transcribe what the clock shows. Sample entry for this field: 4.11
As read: 2.33
